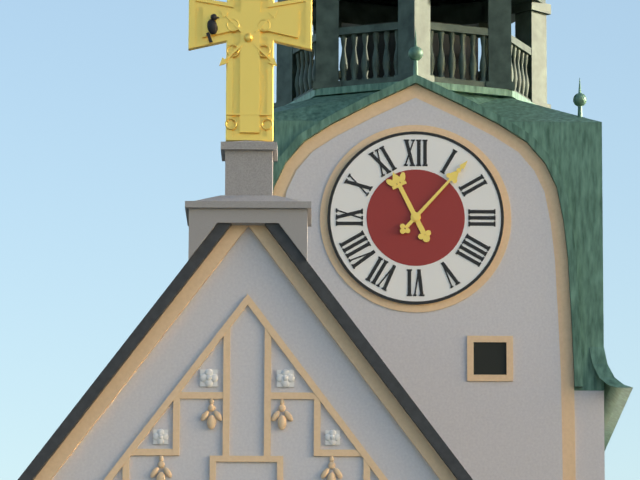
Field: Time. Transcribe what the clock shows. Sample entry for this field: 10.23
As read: 11.07
